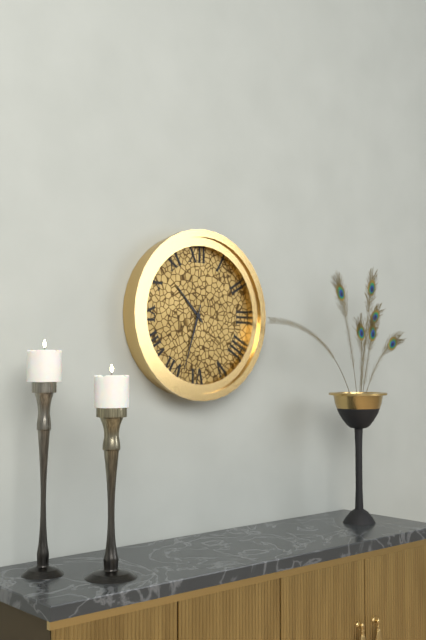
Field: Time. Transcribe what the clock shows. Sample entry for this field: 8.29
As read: 10.33
